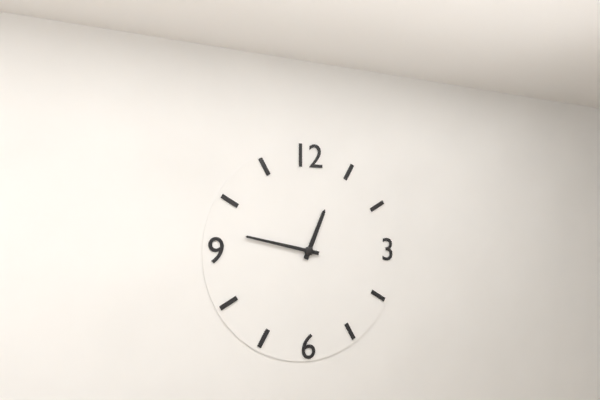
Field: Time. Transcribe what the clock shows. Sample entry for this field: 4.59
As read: 12.47
